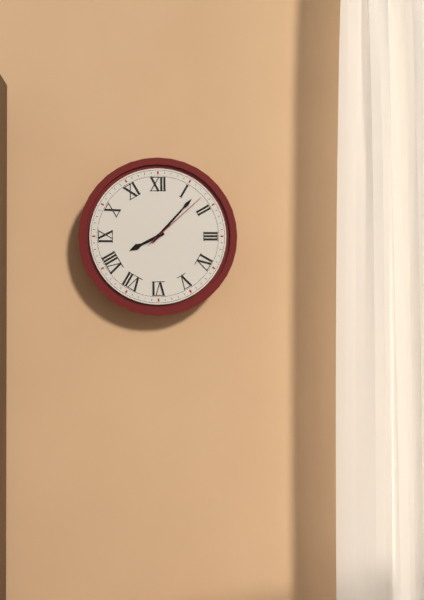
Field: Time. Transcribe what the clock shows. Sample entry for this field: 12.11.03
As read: 8.07.08
